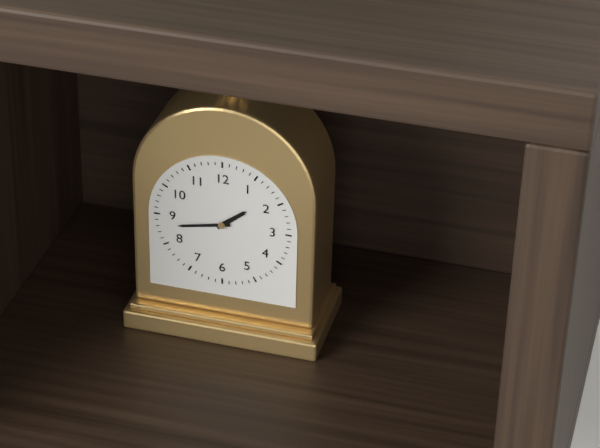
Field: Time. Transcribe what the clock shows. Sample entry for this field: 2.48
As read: 1.43
